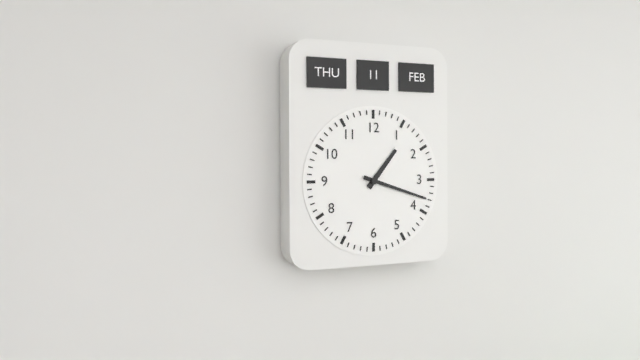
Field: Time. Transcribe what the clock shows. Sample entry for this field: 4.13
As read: 1.18
